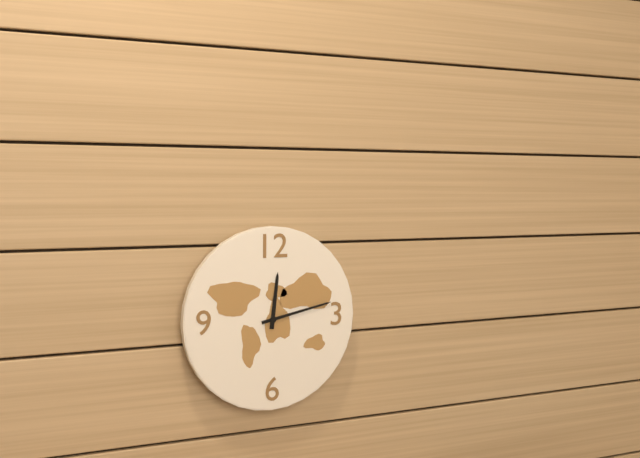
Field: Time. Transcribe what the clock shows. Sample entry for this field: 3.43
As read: 12.13
